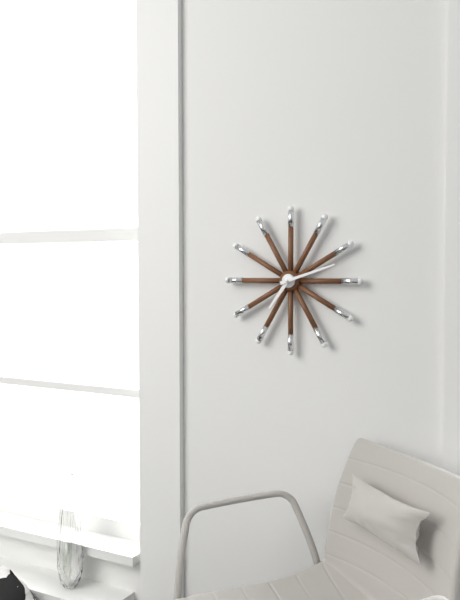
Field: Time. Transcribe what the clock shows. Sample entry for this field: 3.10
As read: 7.12
